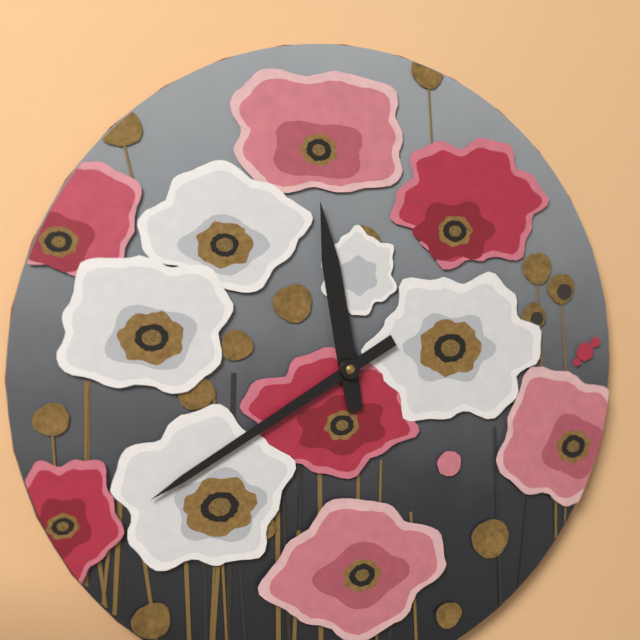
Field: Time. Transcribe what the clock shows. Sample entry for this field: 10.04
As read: 11.40
